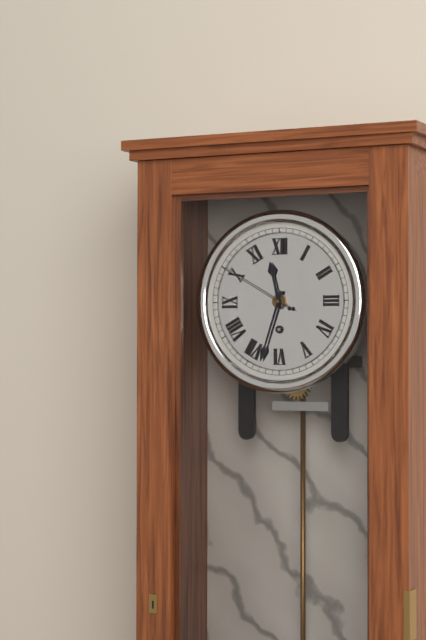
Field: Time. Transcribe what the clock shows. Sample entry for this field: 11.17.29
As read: 11.33.50
